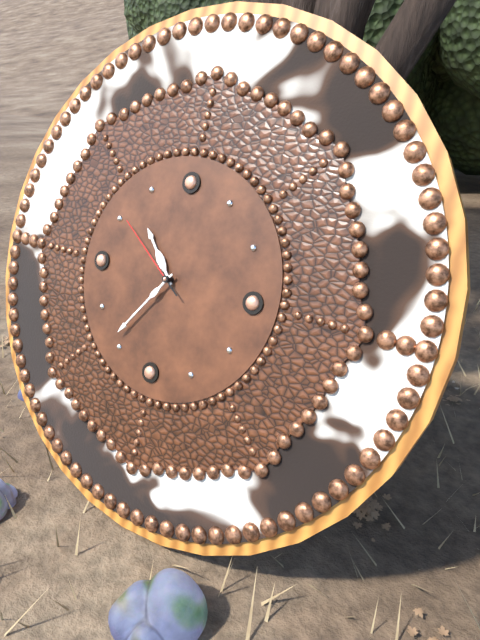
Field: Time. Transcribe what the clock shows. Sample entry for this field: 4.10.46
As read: 10.36.51
